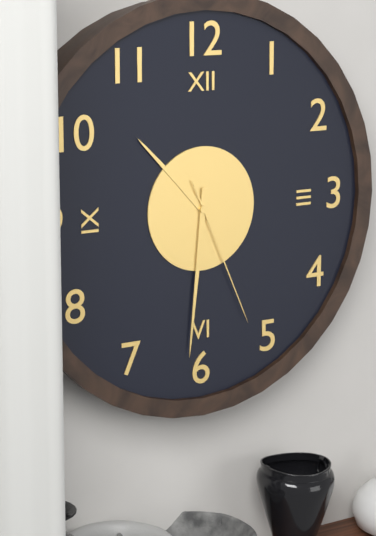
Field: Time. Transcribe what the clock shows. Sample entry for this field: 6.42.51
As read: 10.31.26
